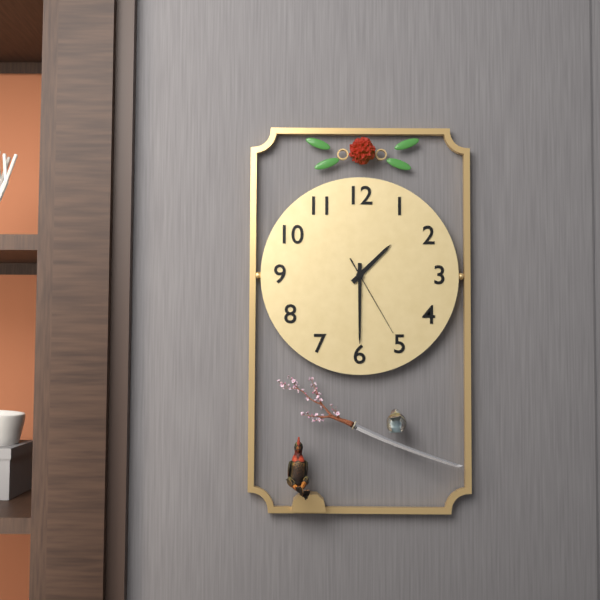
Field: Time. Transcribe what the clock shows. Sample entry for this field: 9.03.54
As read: 1.30.25
